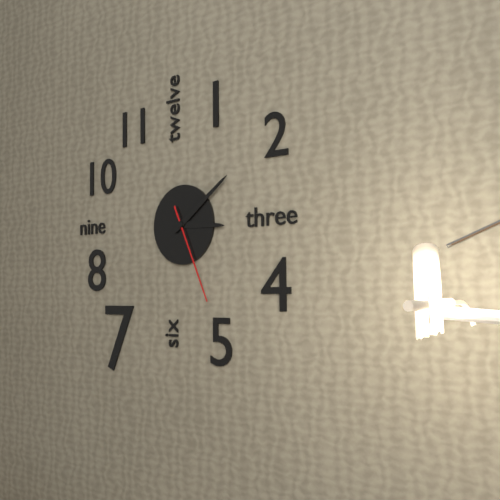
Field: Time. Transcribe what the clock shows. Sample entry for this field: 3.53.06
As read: 3.09.26
